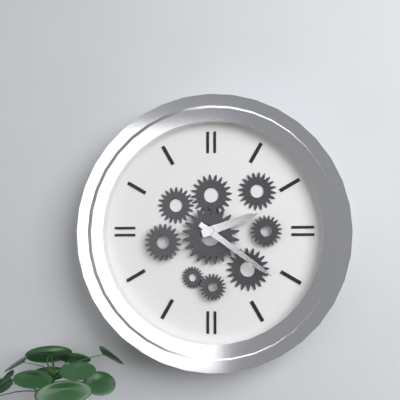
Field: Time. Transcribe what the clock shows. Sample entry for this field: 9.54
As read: 2.21
